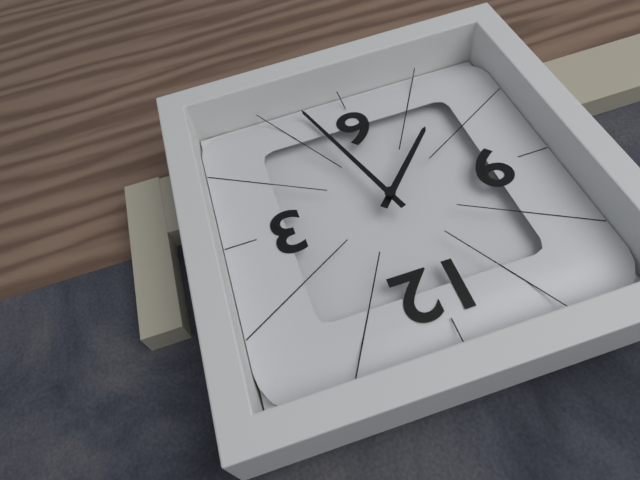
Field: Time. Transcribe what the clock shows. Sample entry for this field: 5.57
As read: 7.27
